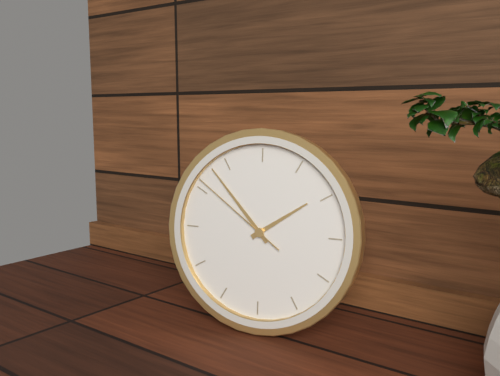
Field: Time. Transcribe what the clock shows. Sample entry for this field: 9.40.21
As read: 1.53.51
